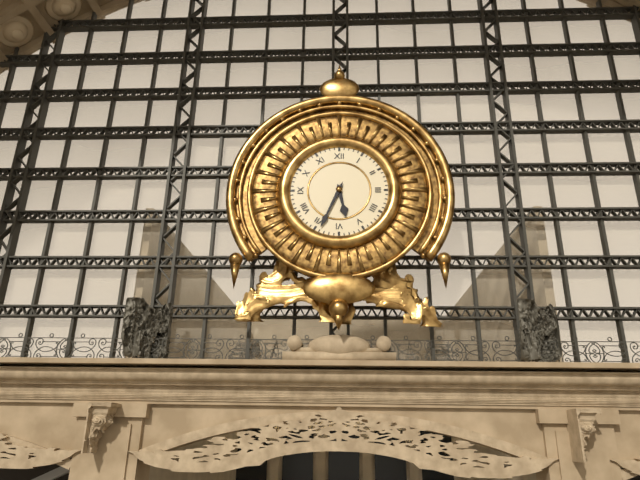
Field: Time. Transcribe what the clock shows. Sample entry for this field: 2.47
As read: 5.34
